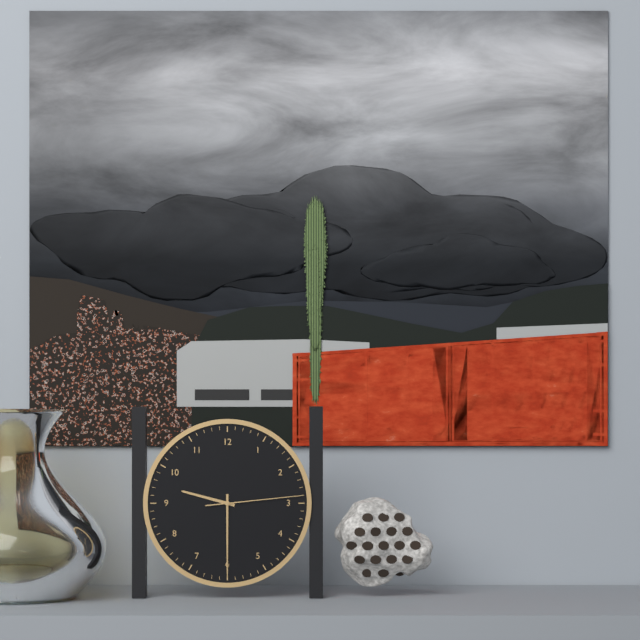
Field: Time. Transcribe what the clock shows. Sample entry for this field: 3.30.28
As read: 9.30.14
